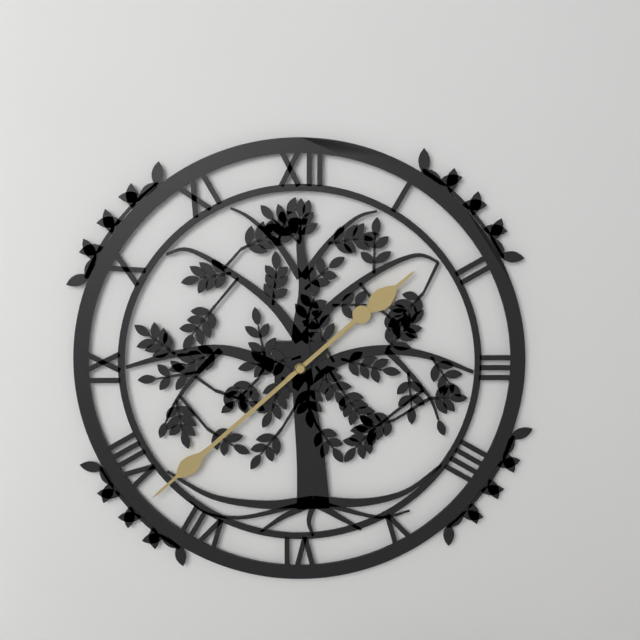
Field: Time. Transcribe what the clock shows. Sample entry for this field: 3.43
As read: 1.38
